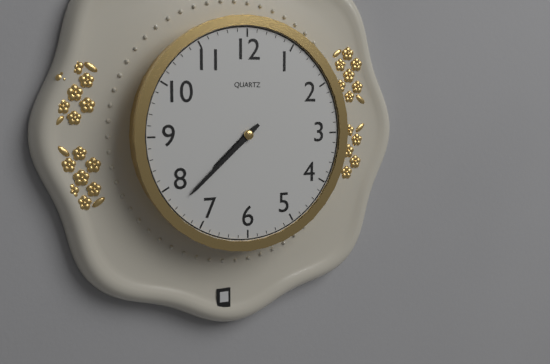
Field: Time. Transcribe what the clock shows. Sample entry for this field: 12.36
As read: 7.38
